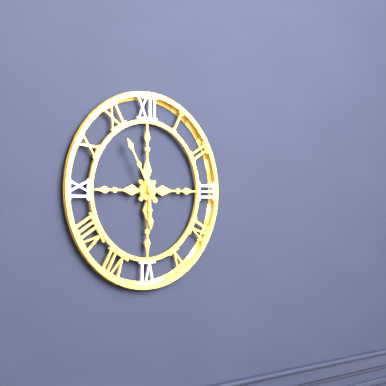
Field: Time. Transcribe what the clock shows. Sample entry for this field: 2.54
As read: 5.55
